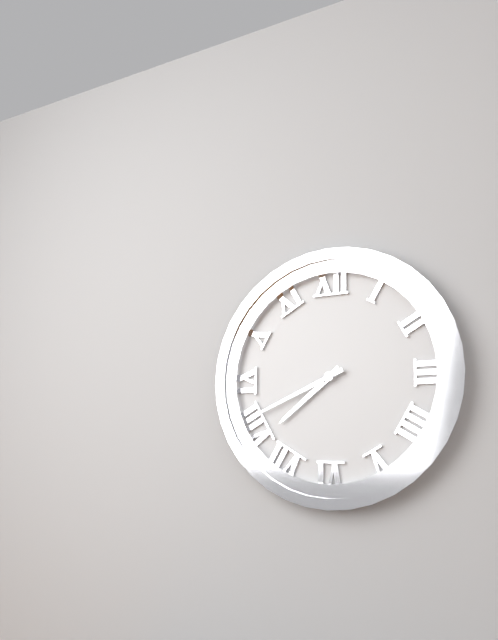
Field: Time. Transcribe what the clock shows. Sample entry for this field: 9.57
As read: 7.41
